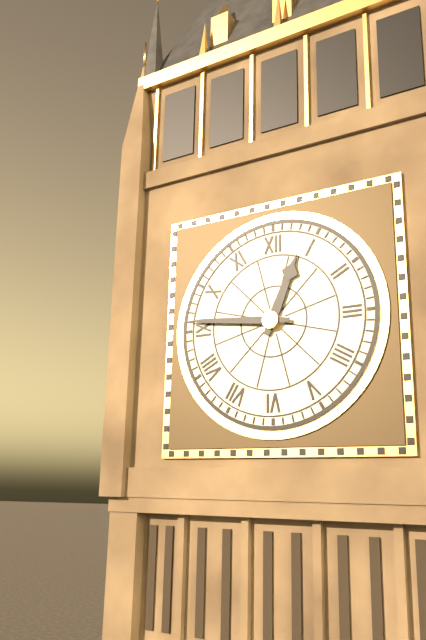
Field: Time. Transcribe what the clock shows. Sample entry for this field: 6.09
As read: 12.46
